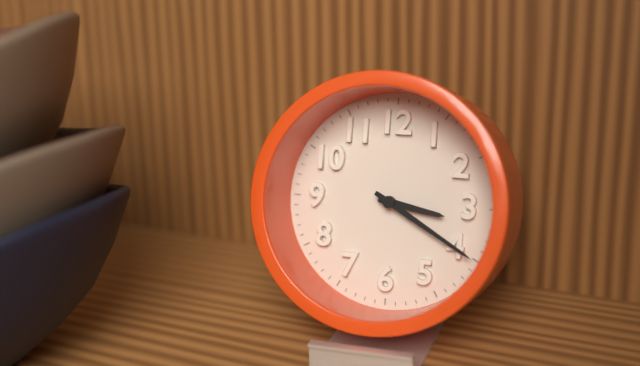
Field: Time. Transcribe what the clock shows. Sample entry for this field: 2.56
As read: 3.20
